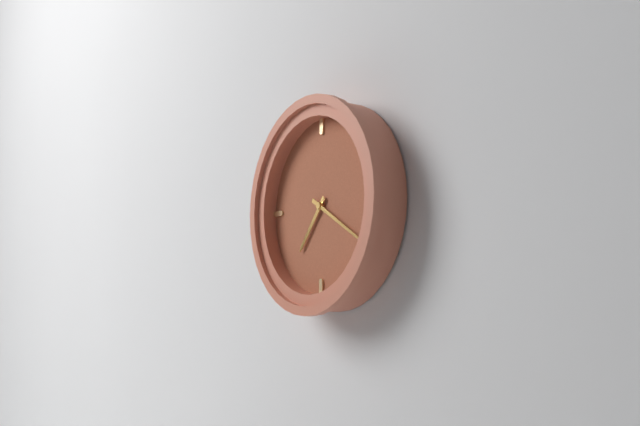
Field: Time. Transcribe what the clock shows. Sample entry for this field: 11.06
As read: 7.20
